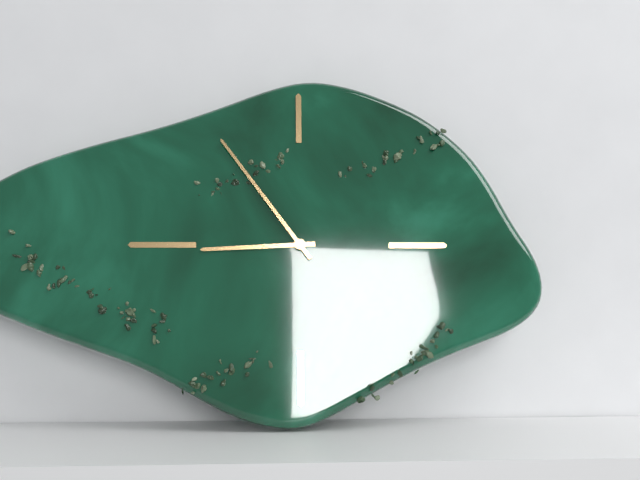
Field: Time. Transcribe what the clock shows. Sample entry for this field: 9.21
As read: 8.54
